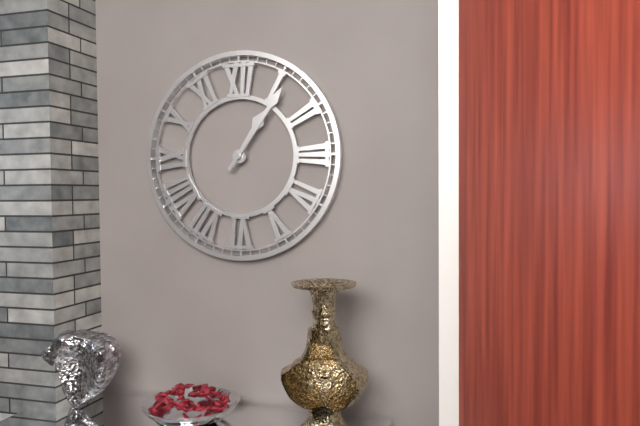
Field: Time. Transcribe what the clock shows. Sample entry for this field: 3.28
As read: 1.06
